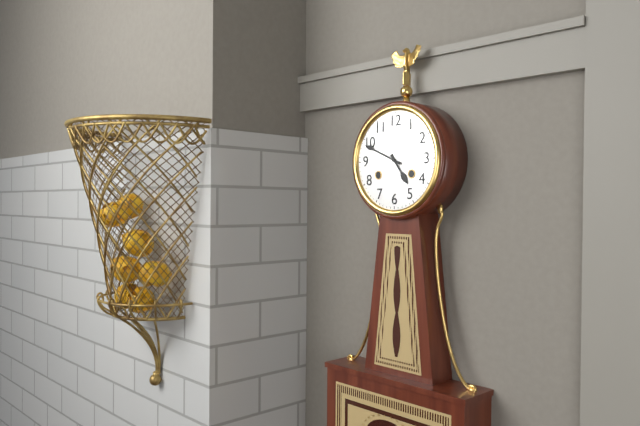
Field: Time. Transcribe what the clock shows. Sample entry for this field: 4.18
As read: 4.49
